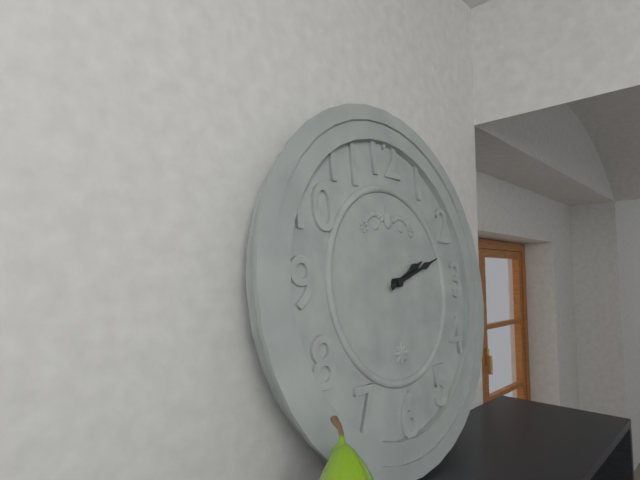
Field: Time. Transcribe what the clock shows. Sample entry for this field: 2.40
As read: 2.12
